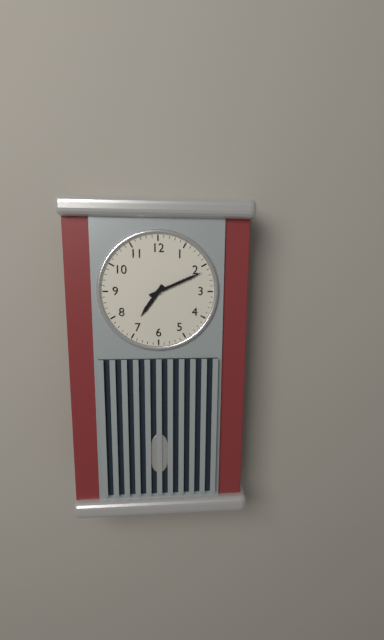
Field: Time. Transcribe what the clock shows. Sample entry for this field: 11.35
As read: 7.11
